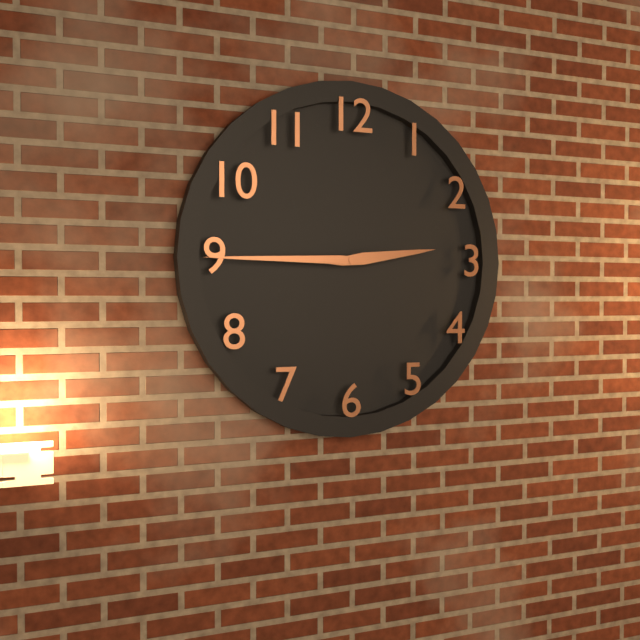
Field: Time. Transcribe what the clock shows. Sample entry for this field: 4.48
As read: 2.45
